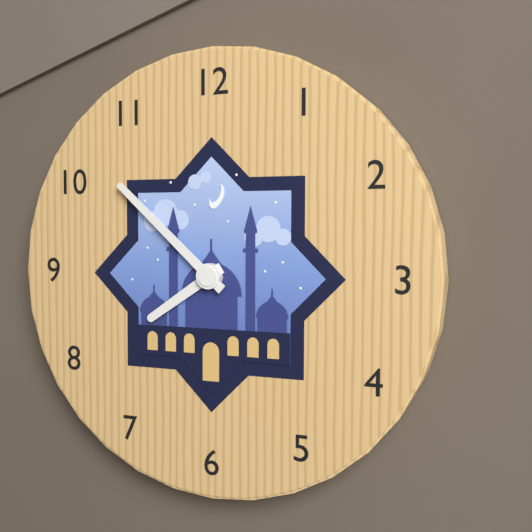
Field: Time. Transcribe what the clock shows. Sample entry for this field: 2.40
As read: 7.52
